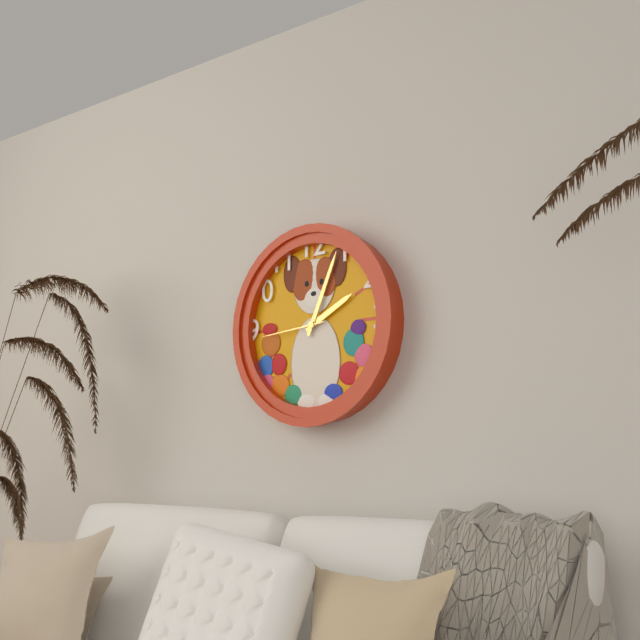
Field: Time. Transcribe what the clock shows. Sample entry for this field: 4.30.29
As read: 2.04.44
